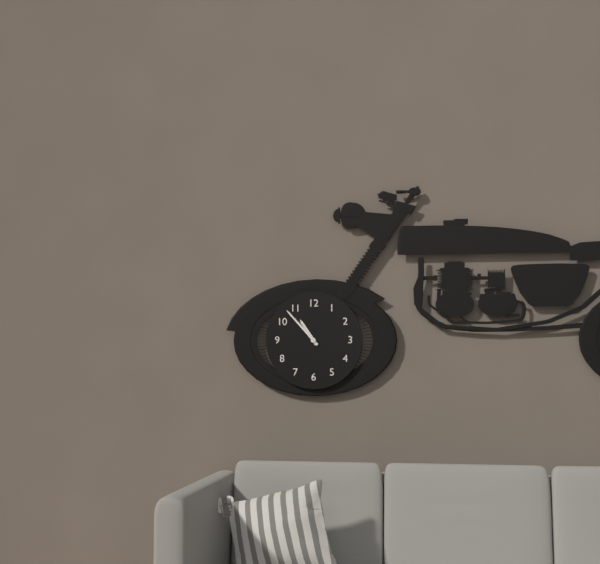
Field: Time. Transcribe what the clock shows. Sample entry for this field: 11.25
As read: 10.53
